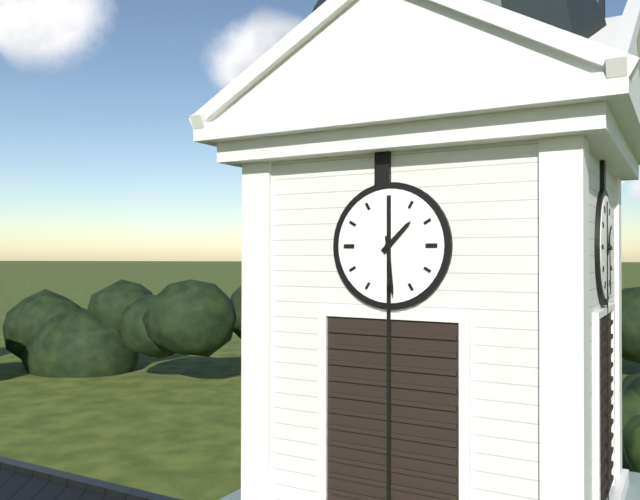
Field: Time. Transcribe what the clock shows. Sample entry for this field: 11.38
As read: 1.29
